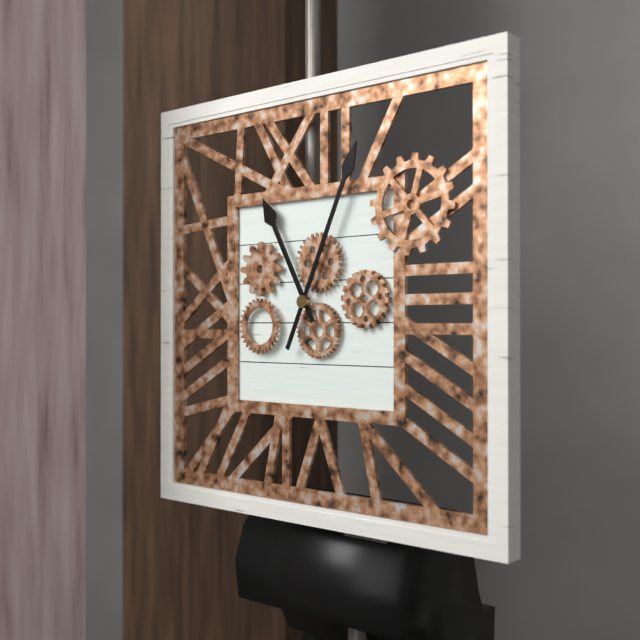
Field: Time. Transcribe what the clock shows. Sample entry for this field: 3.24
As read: 11.04
